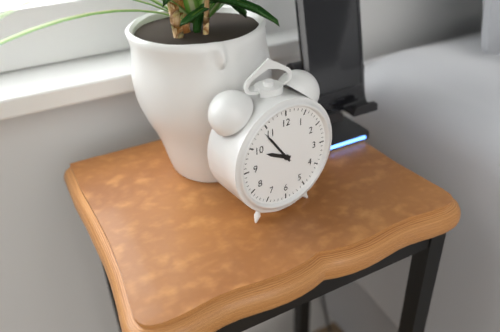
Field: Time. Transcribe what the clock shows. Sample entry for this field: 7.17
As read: 9.54
